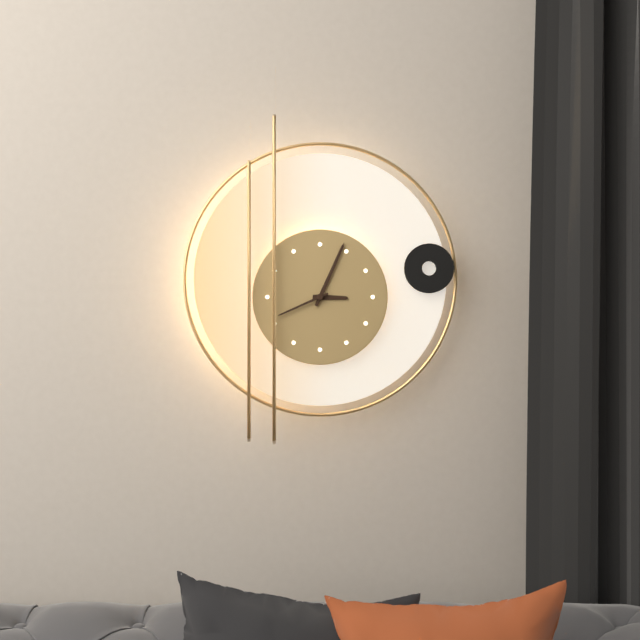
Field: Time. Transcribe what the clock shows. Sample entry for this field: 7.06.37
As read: 3.04.41
